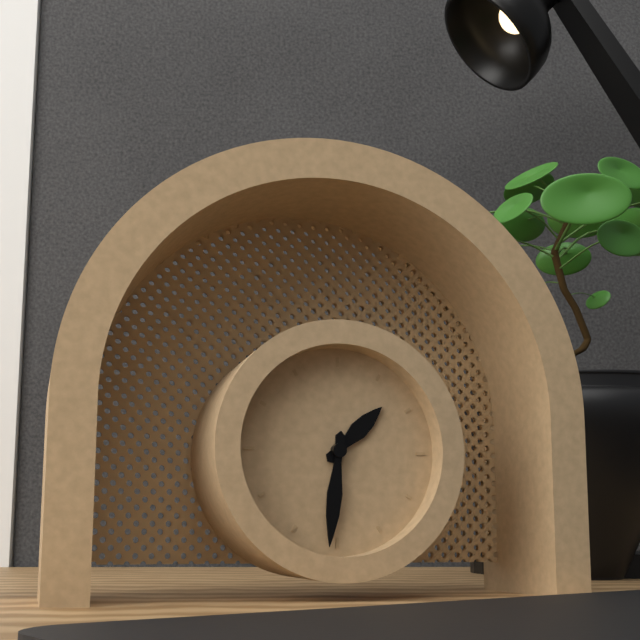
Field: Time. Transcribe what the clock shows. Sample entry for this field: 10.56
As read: 1.31
